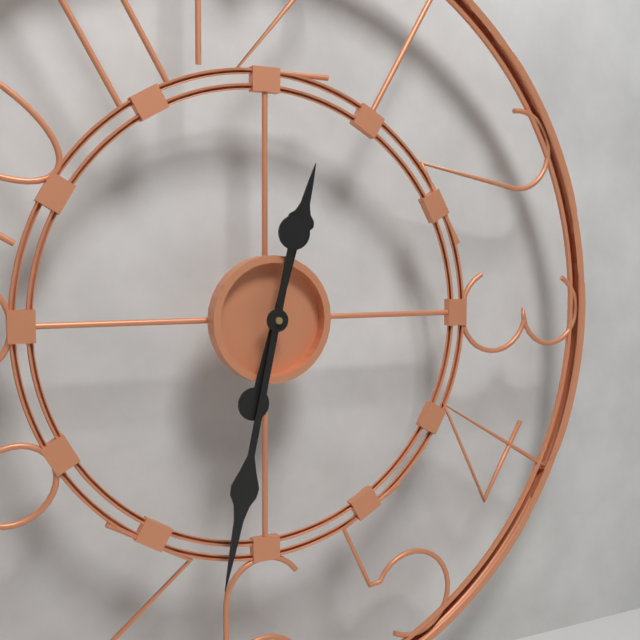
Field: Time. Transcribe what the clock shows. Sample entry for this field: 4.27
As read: 12.32
